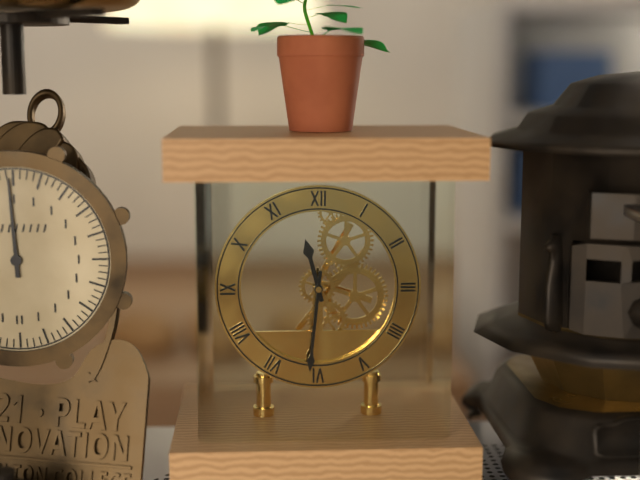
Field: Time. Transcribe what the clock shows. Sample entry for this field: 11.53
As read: 11.31
